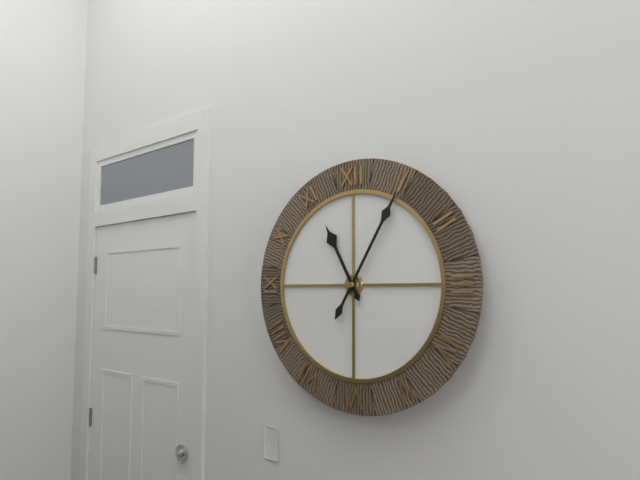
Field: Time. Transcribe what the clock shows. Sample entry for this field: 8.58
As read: 11.05
